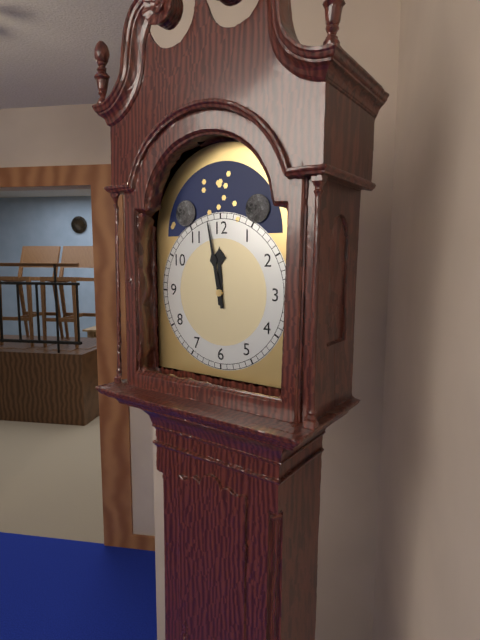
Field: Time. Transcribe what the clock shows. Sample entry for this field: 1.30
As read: 11.58
